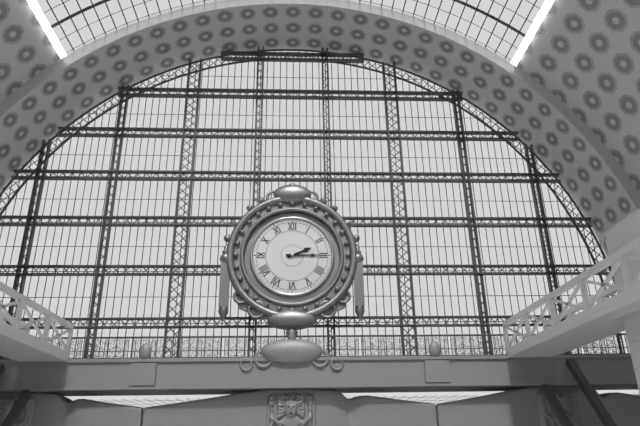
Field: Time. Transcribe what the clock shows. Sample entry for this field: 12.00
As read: 2.15
